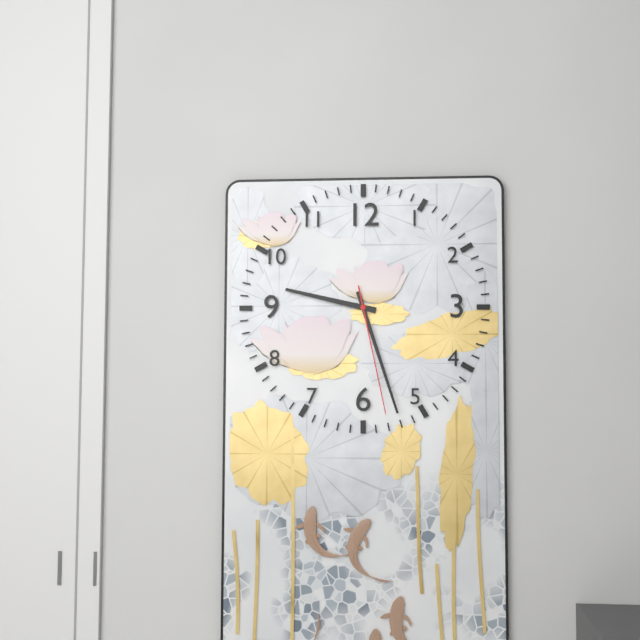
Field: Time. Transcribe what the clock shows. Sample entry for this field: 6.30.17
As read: 9.27.28
